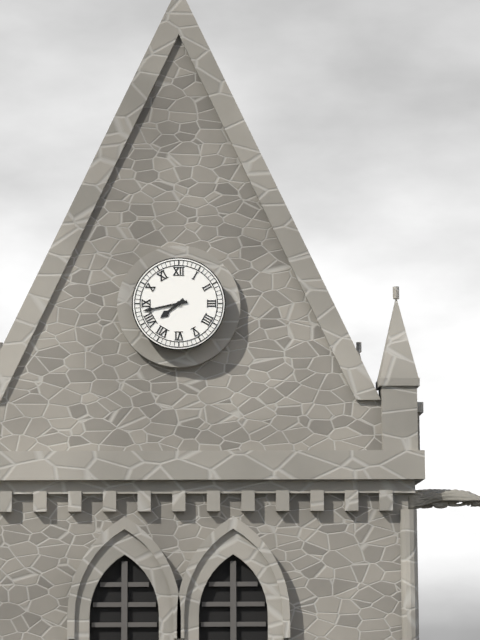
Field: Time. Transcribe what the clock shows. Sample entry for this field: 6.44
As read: 7.43
